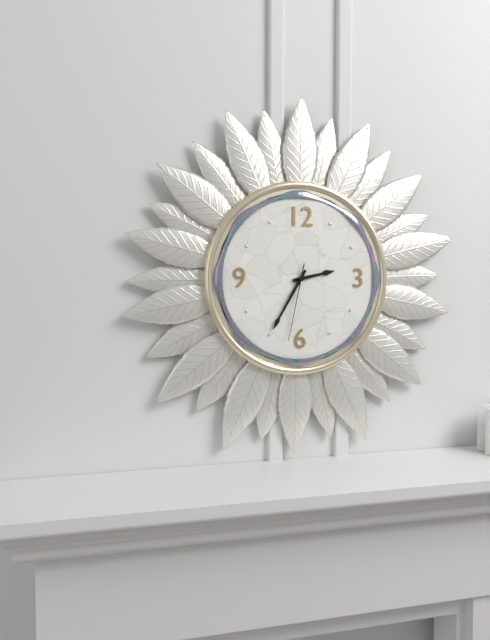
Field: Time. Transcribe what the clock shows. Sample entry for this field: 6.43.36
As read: 2.35.32
